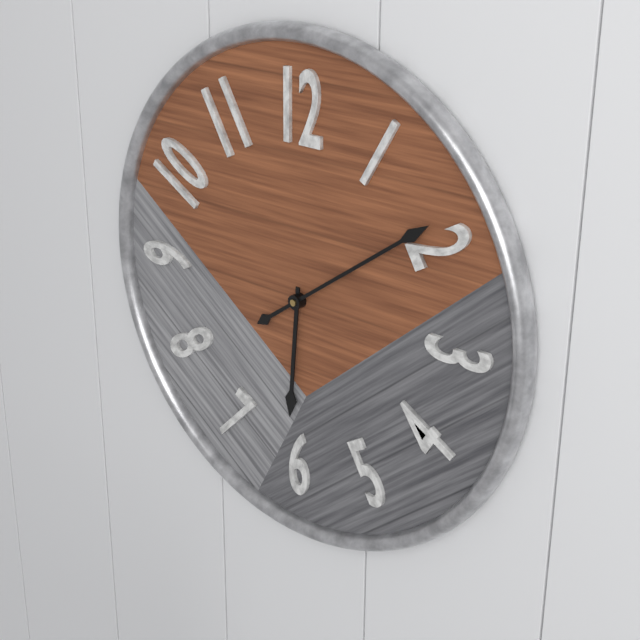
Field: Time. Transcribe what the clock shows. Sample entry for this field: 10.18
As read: 6.09
